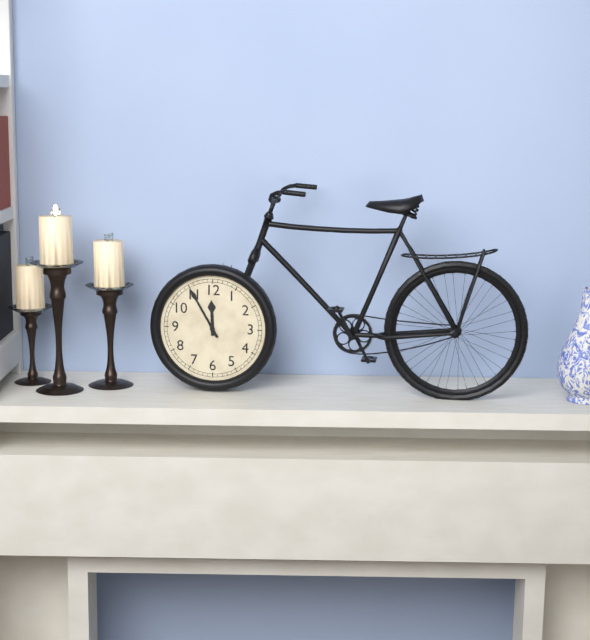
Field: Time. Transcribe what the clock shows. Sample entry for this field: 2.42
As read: 11.55
